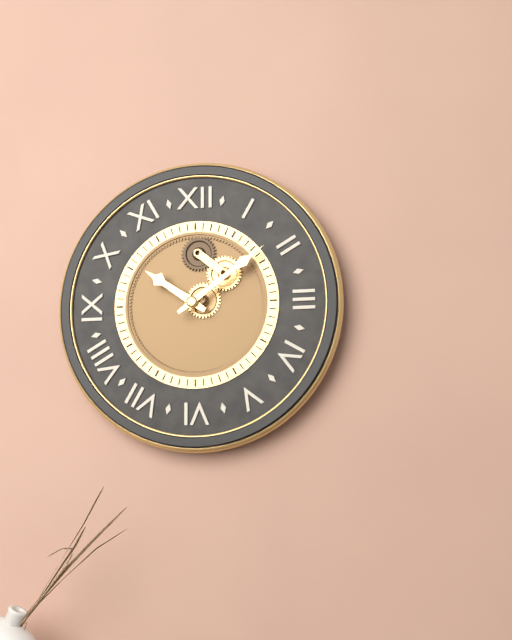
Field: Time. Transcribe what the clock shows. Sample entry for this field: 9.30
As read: 10.09
